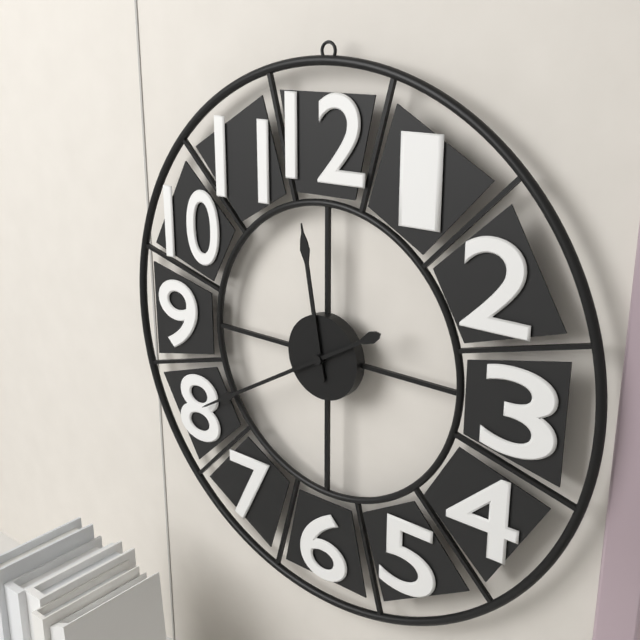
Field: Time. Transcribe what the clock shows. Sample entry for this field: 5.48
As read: 11.40
